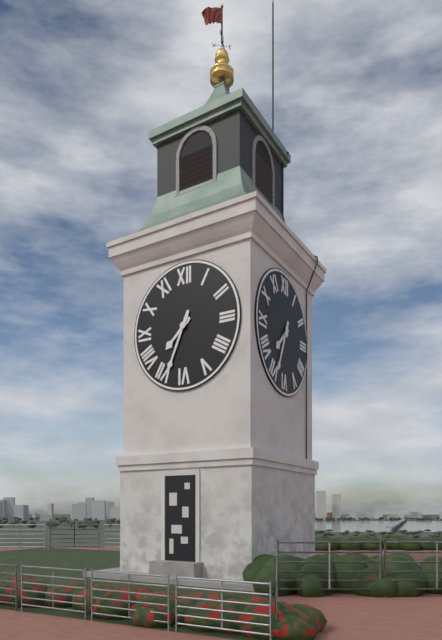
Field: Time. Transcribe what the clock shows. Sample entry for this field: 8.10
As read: 7.34
